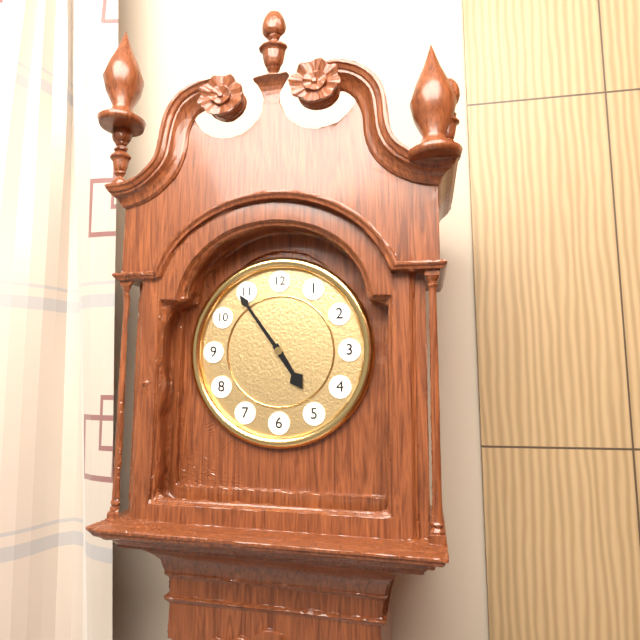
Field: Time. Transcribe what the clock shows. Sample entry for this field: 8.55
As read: 4.54
